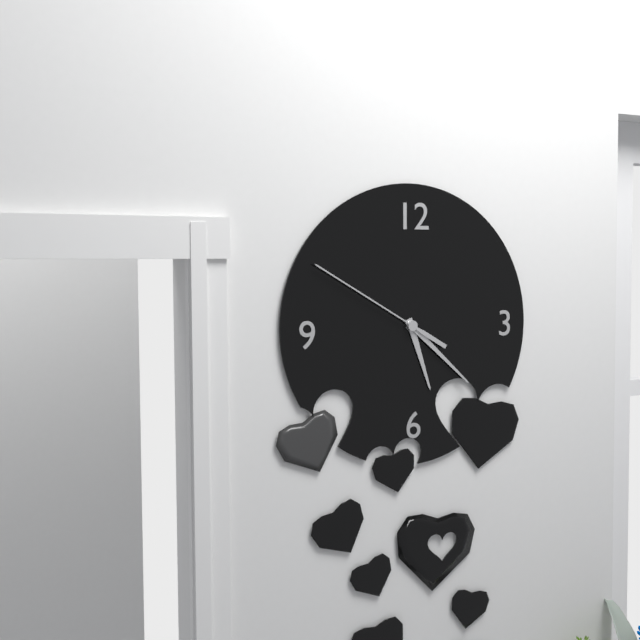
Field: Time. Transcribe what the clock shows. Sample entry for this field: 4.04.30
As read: 5.22.50
